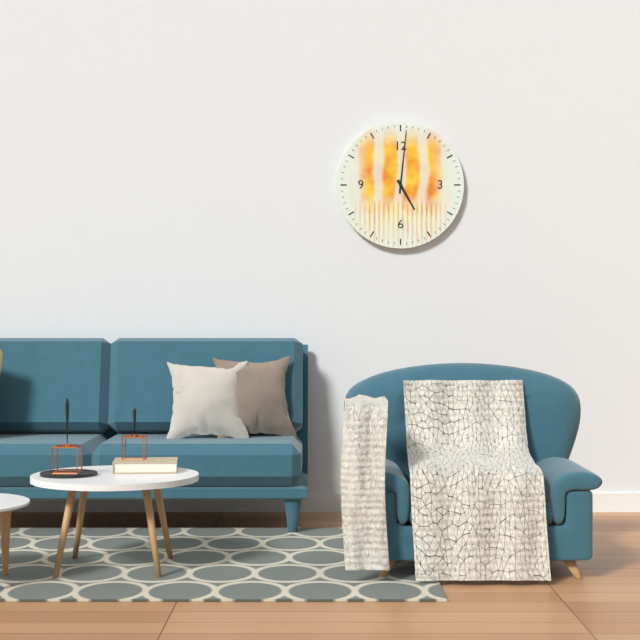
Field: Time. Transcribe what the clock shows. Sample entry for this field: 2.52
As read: 5.01
